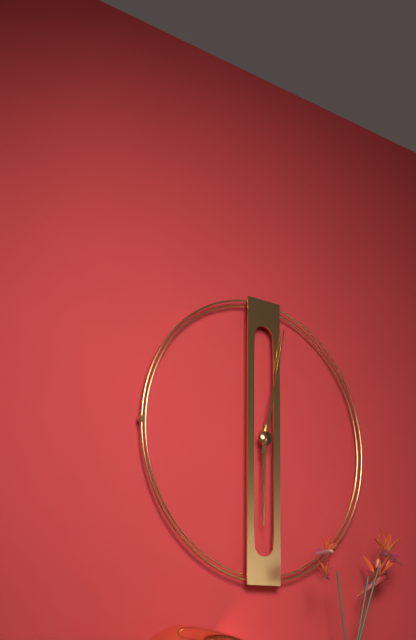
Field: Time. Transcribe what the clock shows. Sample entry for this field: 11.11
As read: 6.02
